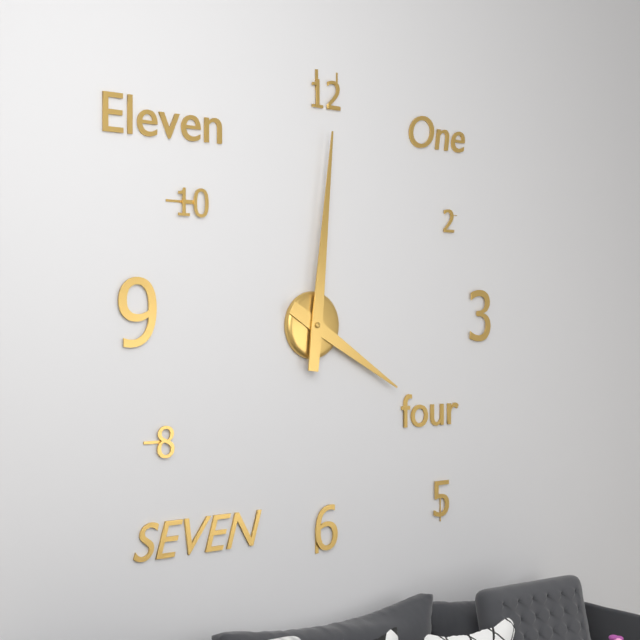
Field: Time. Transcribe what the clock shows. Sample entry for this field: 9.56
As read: 4.01
